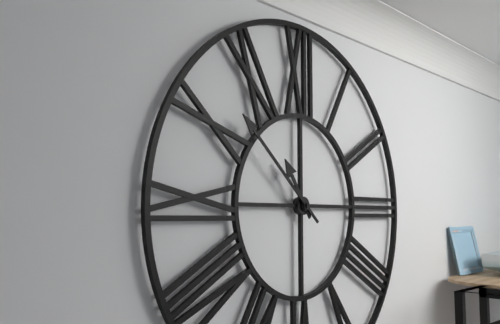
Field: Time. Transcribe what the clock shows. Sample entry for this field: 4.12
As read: 10.52
